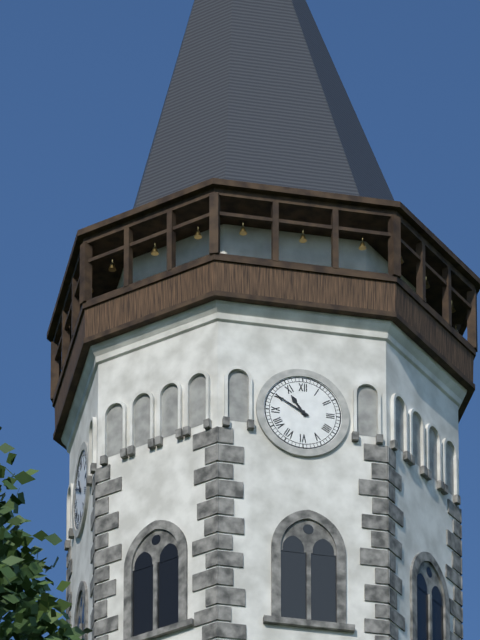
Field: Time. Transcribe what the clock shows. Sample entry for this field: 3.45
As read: 10.50
